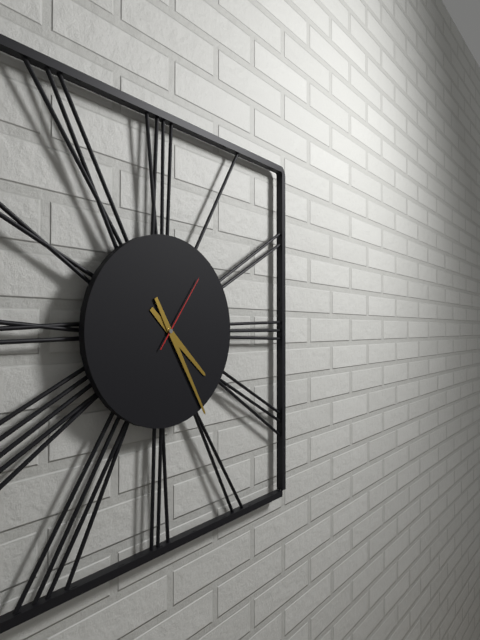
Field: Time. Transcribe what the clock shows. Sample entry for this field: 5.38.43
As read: 4.25.06
